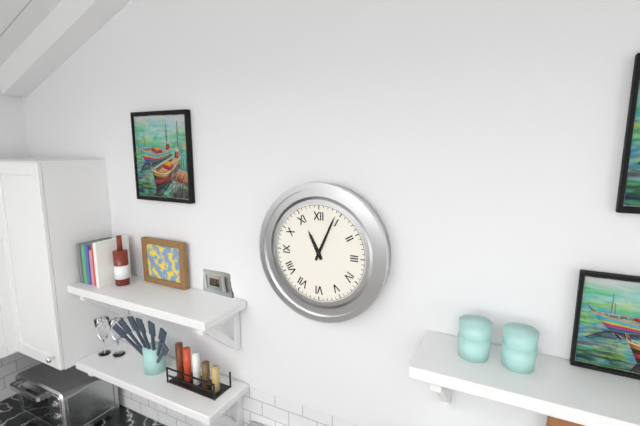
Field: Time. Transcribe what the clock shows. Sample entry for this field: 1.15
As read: 11.04
